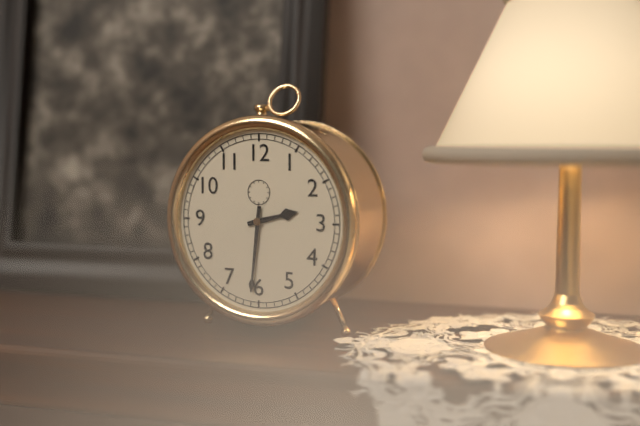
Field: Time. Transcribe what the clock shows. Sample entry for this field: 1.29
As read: 2.31
